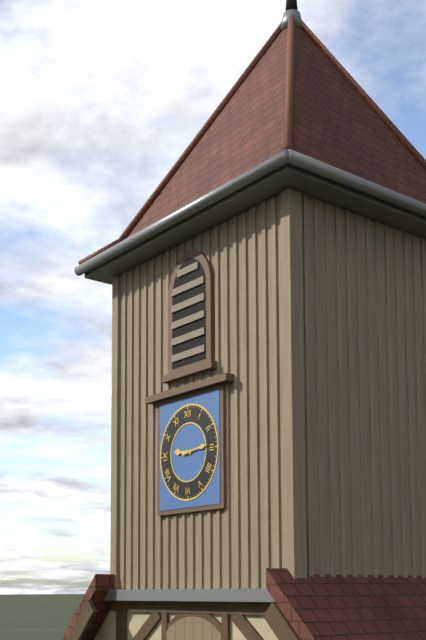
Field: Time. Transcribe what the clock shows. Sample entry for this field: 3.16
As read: 9.14
